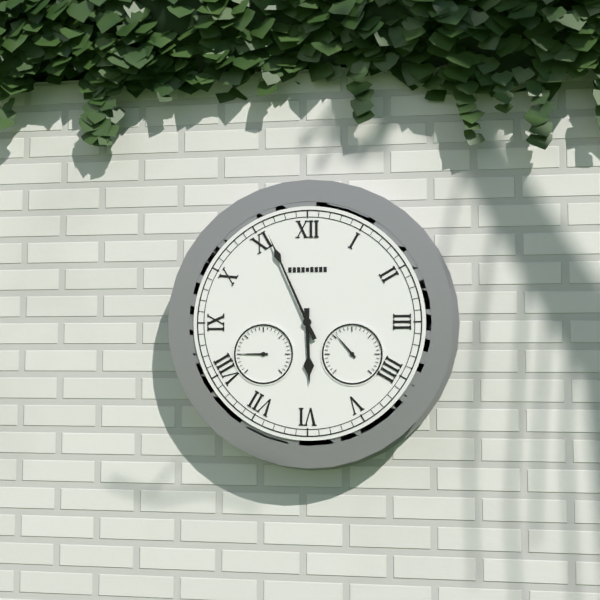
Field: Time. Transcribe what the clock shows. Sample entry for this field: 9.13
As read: 5.56
